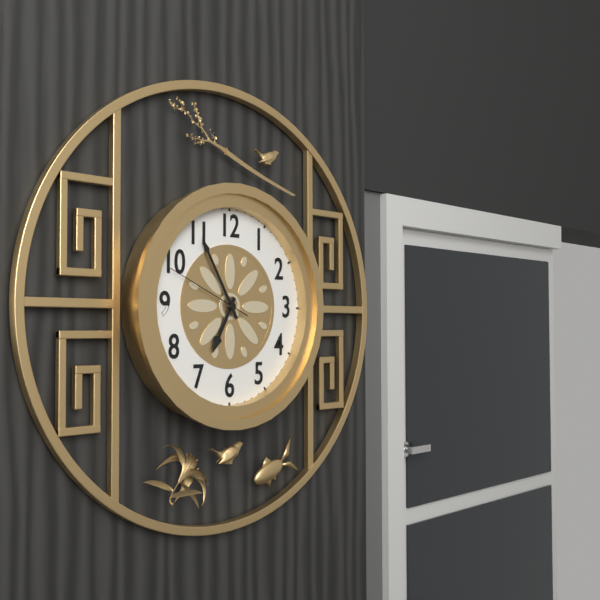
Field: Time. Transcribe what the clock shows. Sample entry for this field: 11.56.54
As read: 6.55.49
